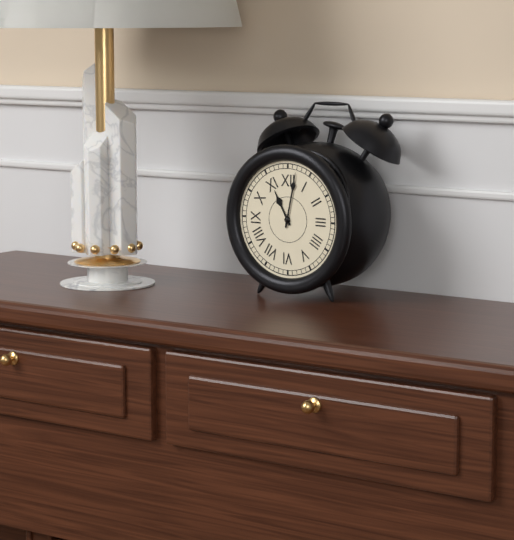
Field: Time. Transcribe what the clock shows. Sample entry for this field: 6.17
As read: 11.02
